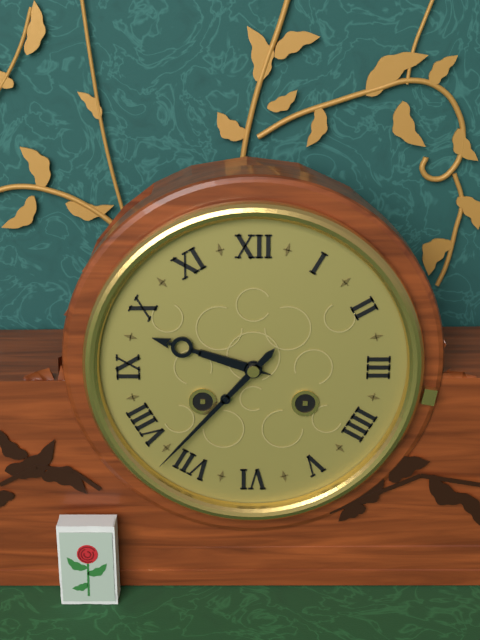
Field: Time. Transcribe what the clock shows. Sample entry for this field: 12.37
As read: 9.37
